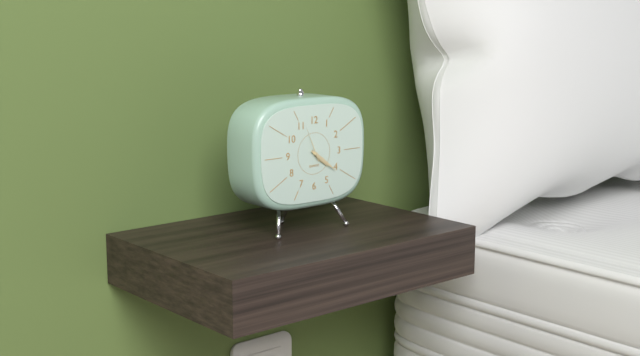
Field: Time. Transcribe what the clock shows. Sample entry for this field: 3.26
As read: 4.21
